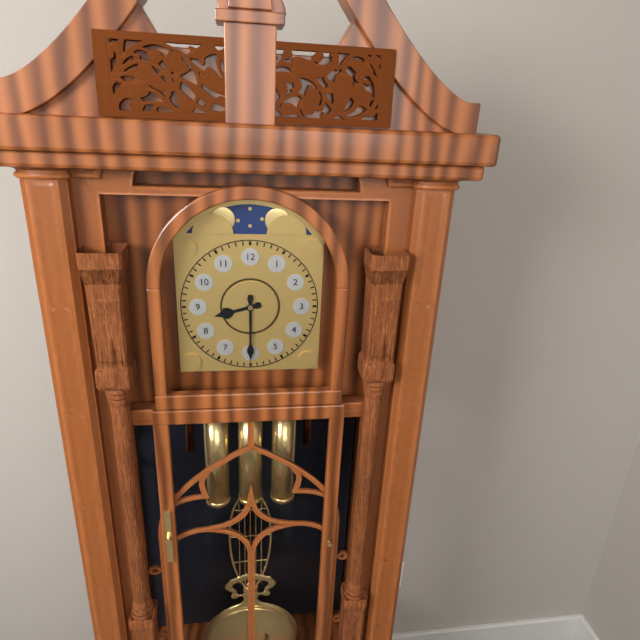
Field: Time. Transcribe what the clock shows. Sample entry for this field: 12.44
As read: 8.30
